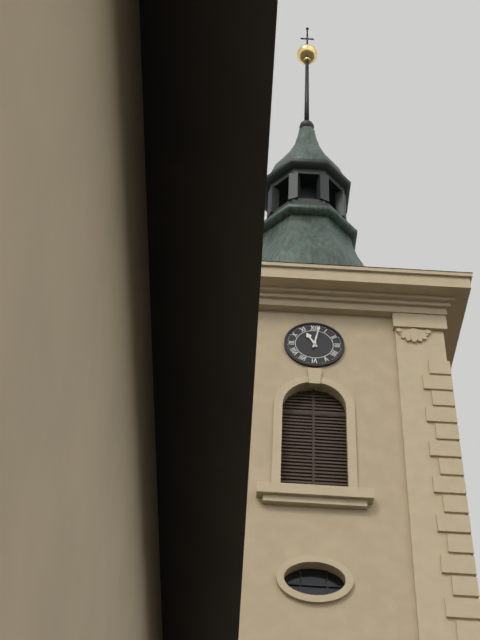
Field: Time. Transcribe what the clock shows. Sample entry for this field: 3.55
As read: 11.02
